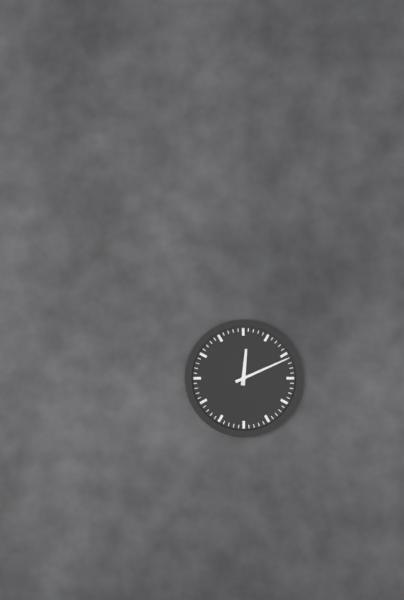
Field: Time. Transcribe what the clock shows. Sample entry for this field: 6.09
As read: 12.11
